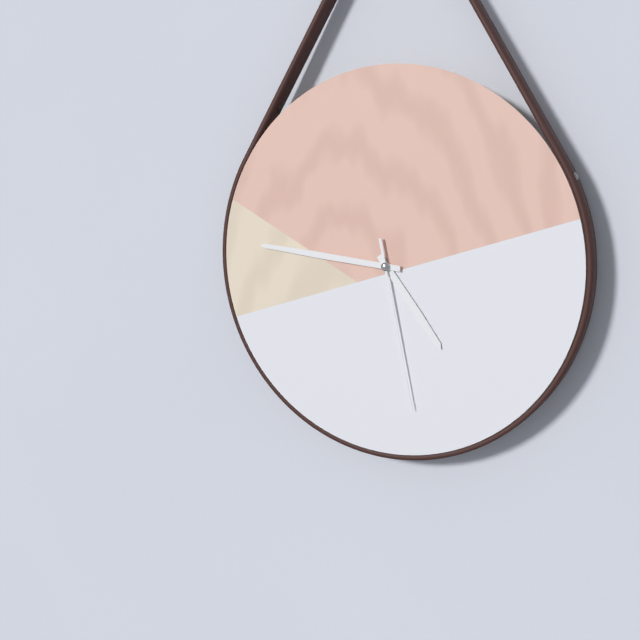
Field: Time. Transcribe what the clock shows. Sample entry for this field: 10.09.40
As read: 4.46.28
